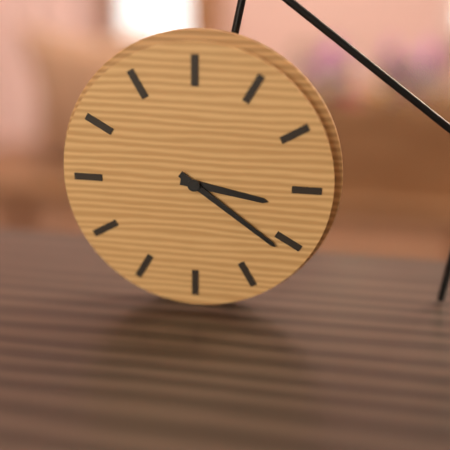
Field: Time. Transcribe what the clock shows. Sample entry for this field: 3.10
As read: 3.21
